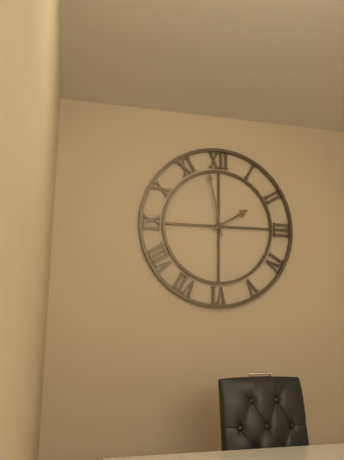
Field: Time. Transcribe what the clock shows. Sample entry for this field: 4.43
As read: 1.58
